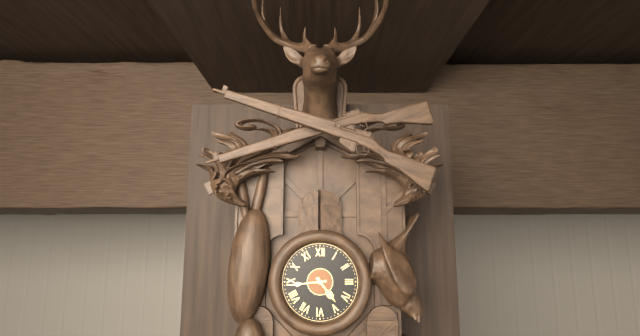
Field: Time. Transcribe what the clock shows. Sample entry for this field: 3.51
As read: 4.44
